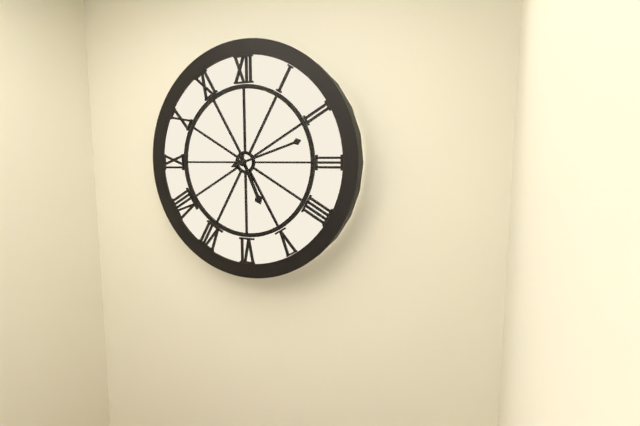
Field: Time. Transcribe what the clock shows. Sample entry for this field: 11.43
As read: 5.12
